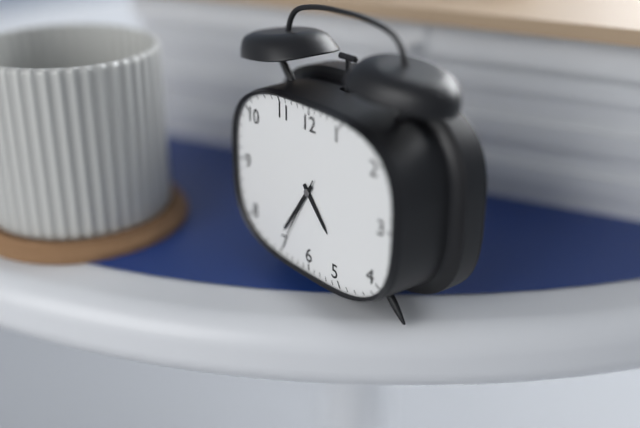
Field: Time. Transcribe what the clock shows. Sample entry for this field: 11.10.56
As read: 4.36.35
